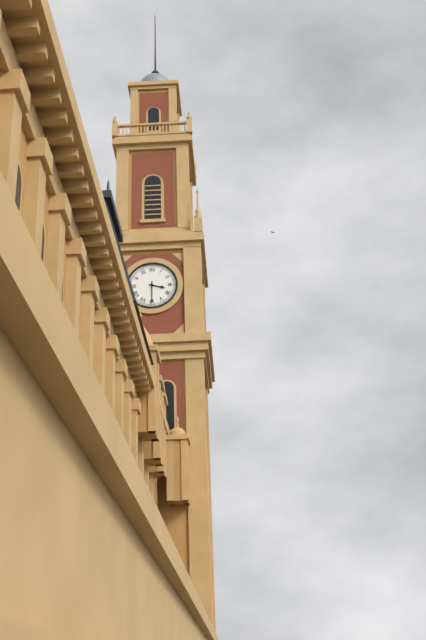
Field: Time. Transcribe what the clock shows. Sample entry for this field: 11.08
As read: 3.30
